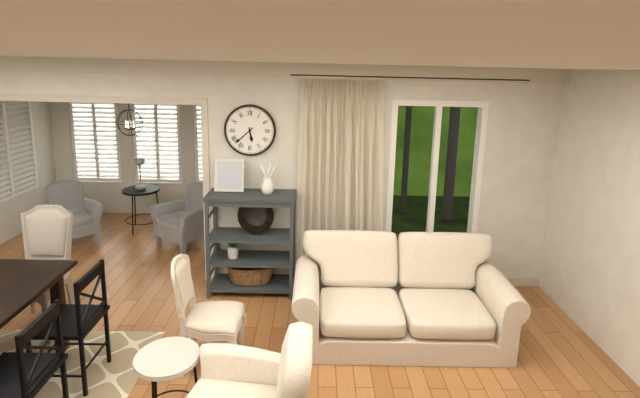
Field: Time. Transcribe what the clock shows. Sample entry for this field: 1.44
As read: 5.38
